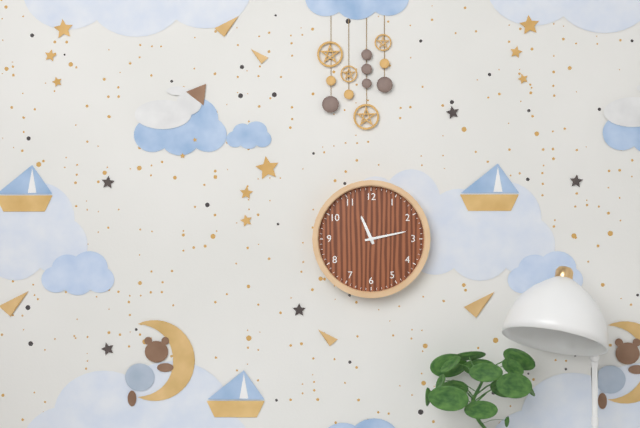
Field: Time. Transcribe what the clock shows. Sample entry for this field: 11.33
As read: 11.13
